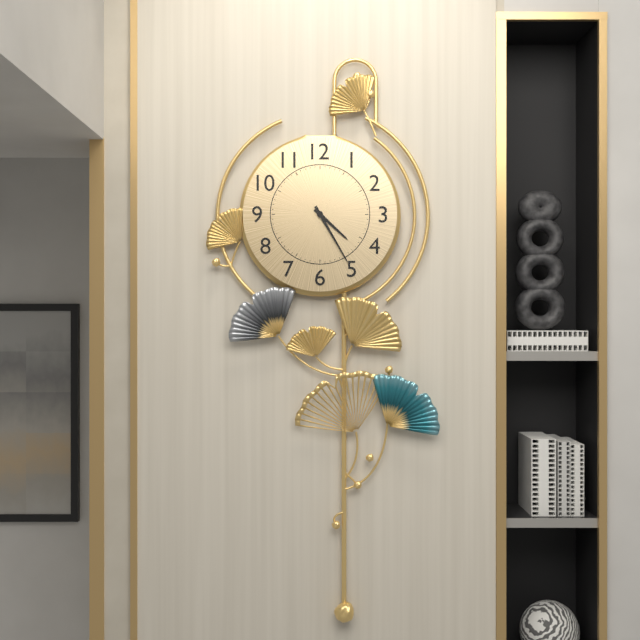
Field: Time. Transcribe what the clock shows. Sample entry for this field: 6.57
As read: 4.25
